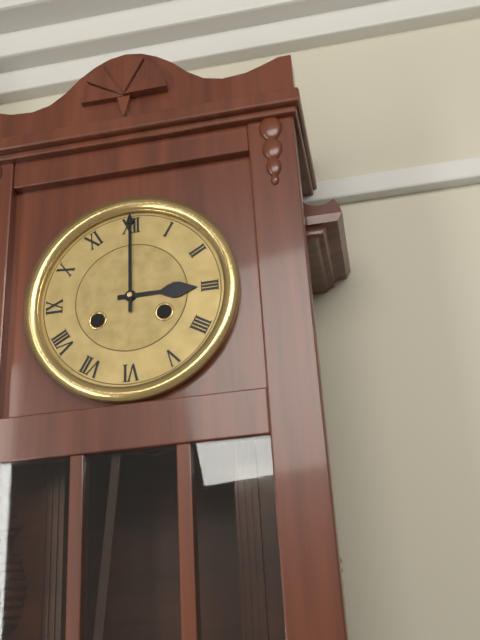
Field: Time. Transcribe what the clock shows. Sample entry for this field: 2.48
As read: 3.00
